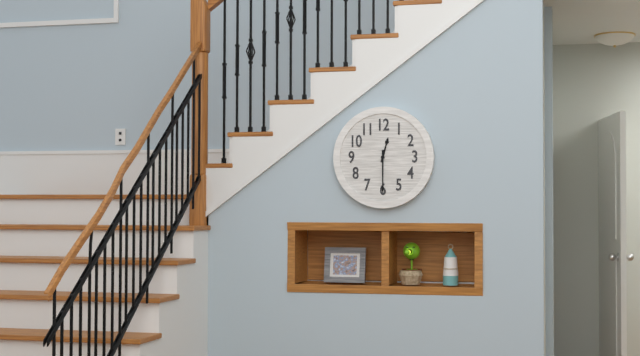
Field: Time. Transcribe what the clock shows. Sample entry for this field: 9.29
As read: 12.30
